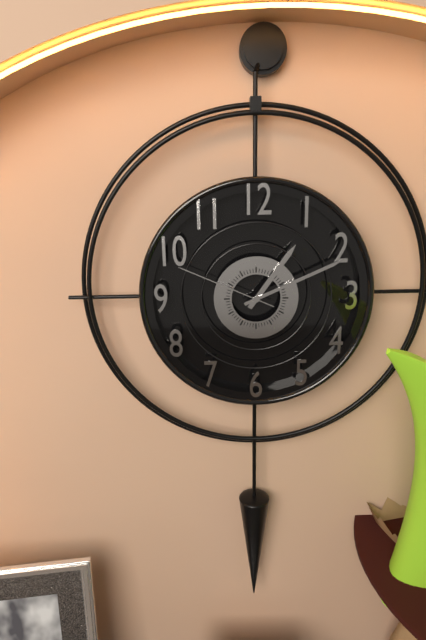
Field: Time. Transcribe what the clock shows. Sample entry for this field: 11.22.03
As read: 1.11.49
